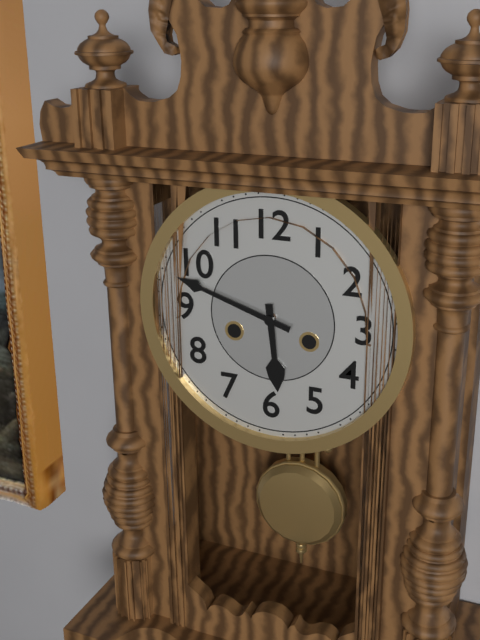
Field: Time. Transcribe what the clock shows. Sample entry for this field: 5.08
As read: 5.48
